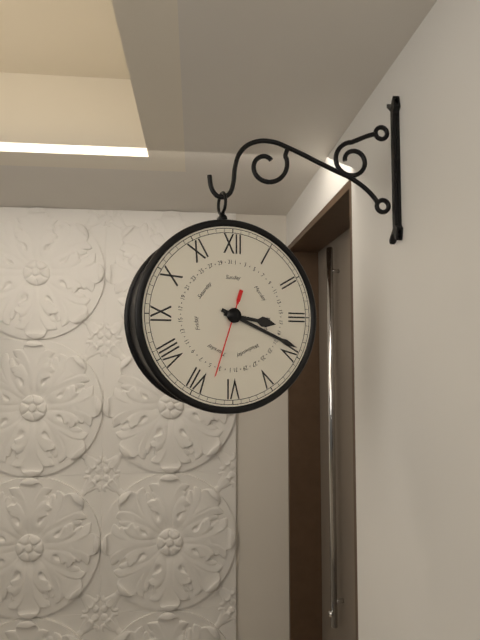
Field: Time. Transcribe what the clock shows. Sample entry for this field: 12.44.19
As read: 3.19.33
